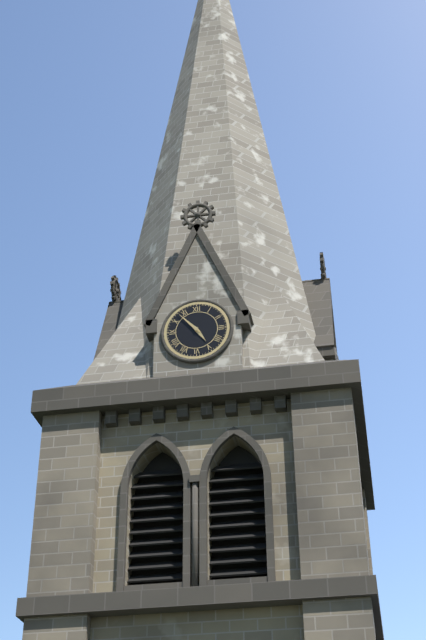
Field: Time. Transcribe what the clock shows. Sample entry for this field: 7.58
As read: 4.53
